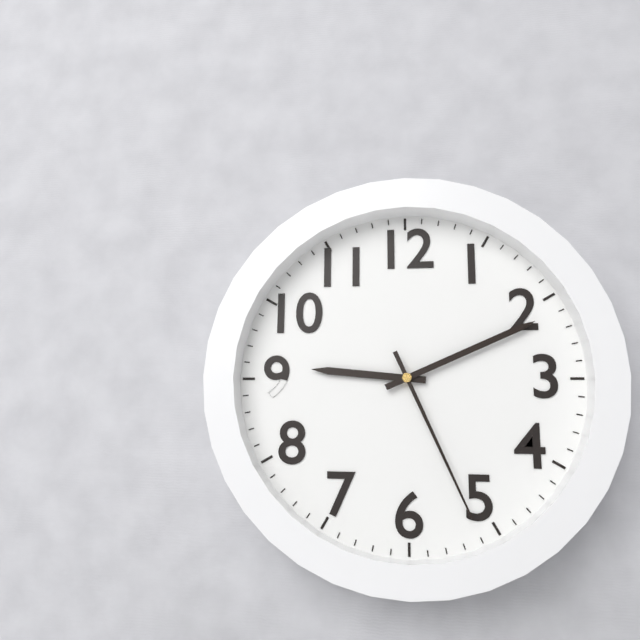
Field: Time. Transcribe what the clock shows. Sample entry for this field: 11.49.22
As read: 9.11.26
